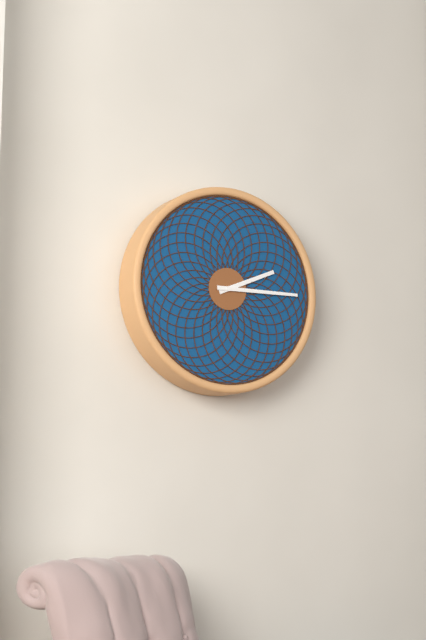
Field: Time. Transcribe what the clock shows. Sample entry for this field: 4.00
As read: 2.15
